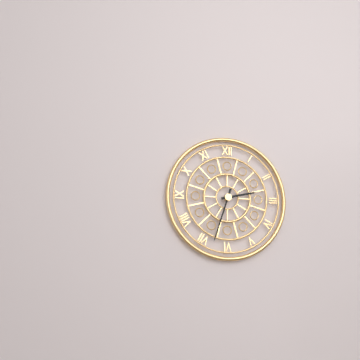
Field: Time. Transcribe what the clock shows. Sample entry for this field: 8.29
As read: 2.33
